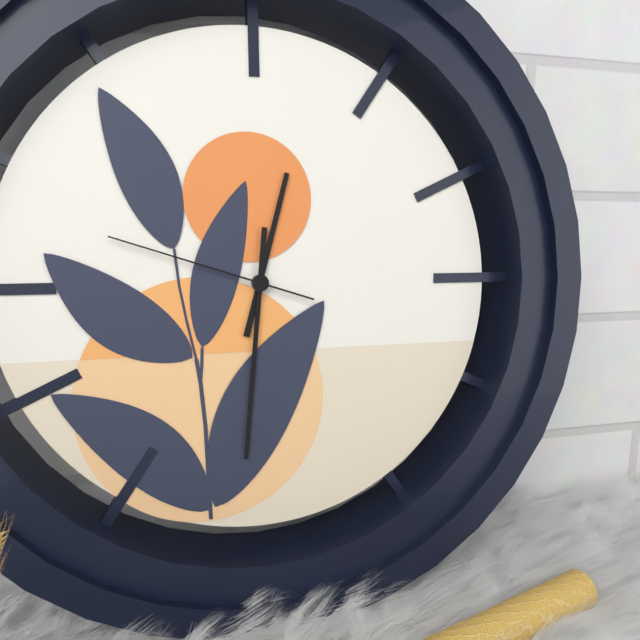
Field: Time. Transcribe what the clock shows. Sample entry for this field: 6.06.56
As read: 12.31.48
